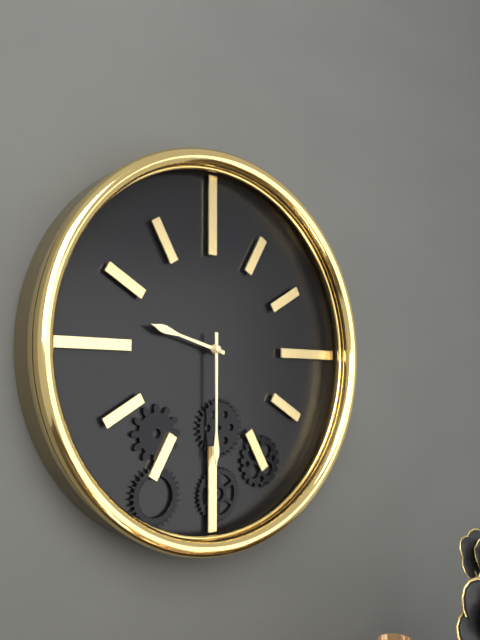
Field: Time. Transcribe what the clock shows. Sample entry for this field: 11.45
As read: 9.30
